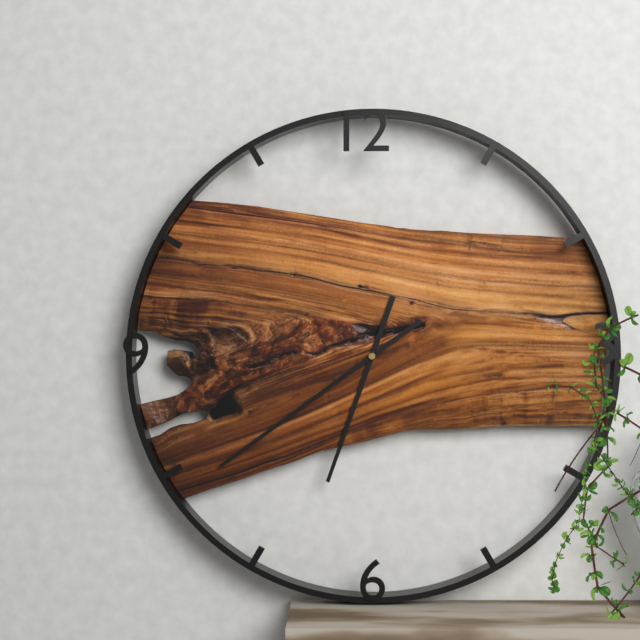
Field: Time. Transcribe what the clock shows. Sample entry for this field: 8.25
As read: 6.39
